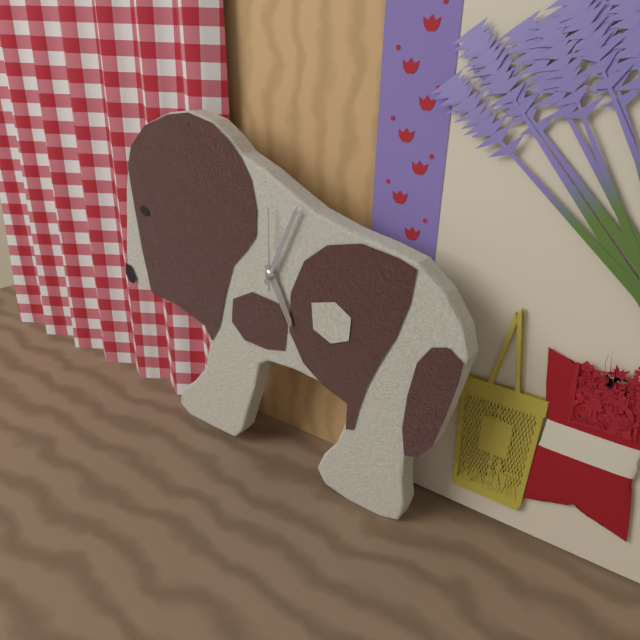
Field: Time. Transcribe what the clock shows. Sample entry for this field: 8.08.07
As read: 5.04.00
